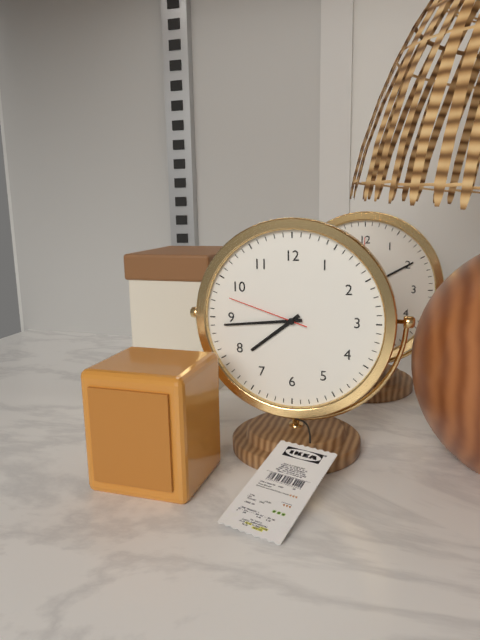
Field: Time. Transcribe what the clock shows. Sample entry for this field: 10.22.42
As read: 7.44.48
